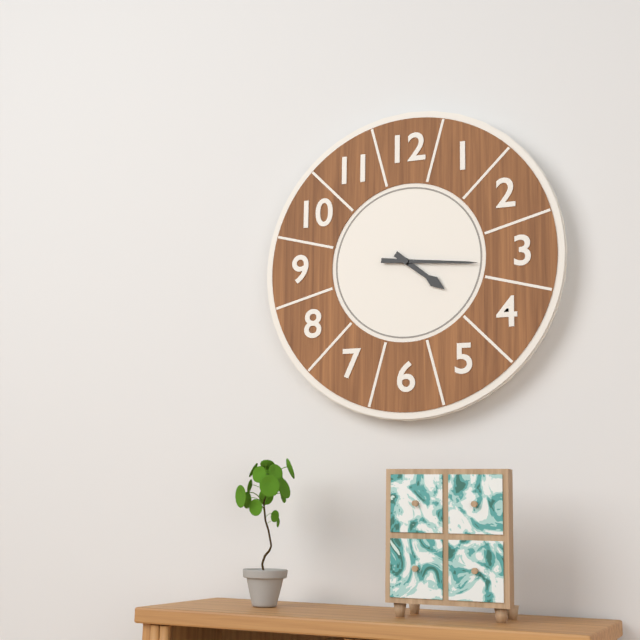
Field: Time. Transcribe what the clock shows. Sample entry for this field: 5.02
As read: 4.16
